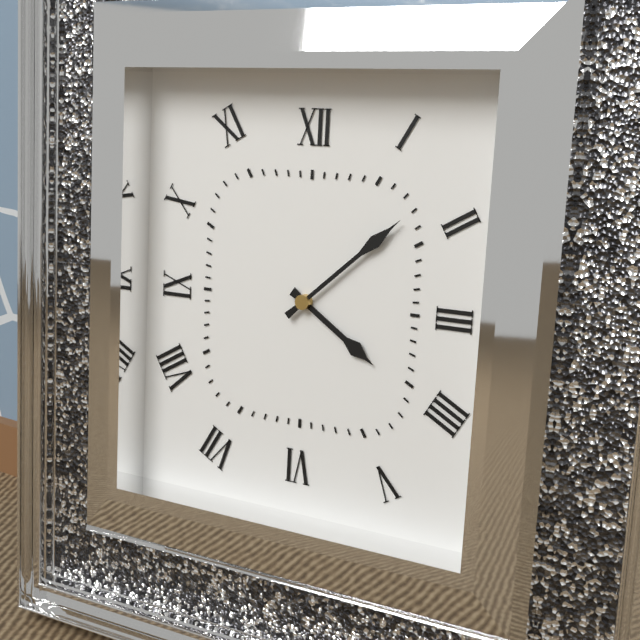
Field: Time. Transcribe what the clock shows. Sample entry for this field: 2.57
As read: 4.08
